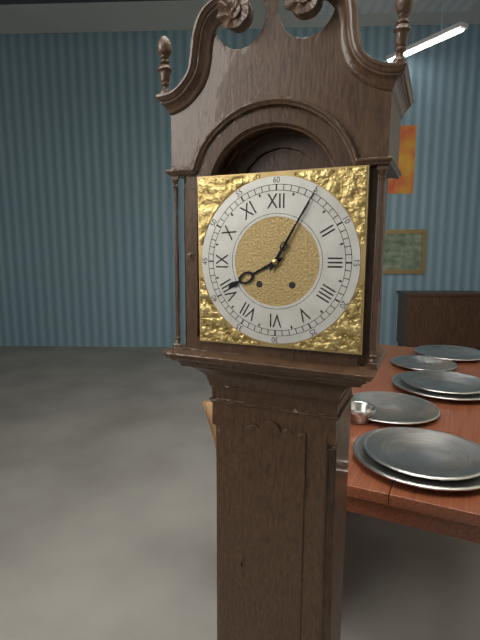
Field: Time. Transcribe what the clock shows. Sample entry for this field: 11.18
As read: 8.05
